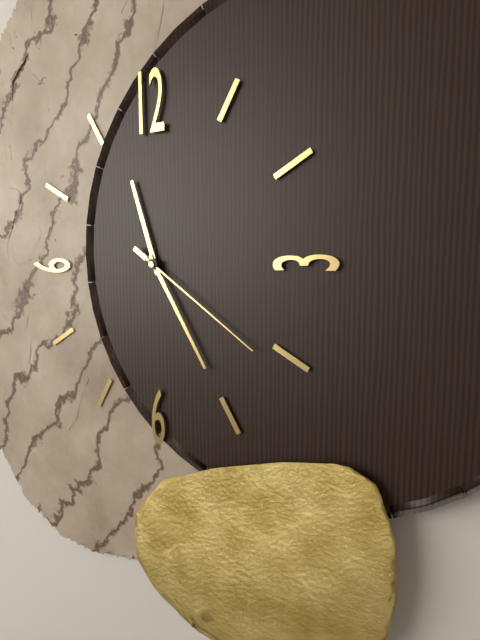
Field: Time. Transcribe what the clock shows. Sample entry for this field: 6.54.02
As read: 11.25.21
